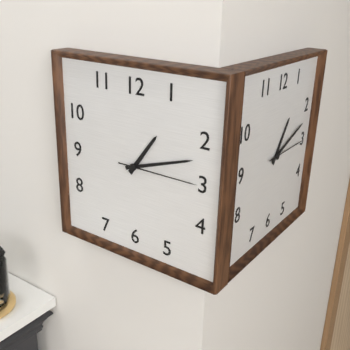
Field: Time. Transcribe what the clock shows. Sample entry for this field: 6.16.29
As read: 1.12.15
